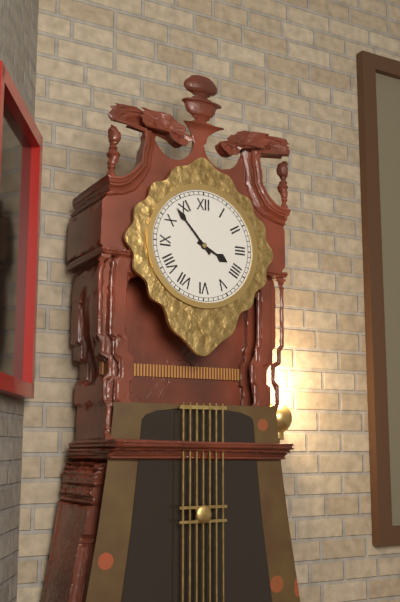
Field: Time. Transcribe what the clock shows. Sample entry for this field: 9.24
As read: 3.53
